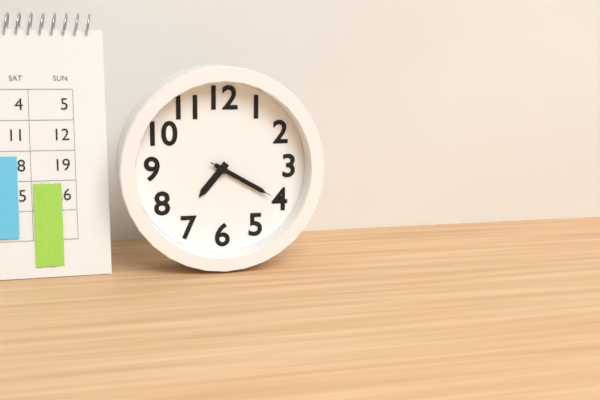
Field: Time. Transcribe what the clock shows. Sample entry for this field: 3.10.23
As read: 7.20.20
